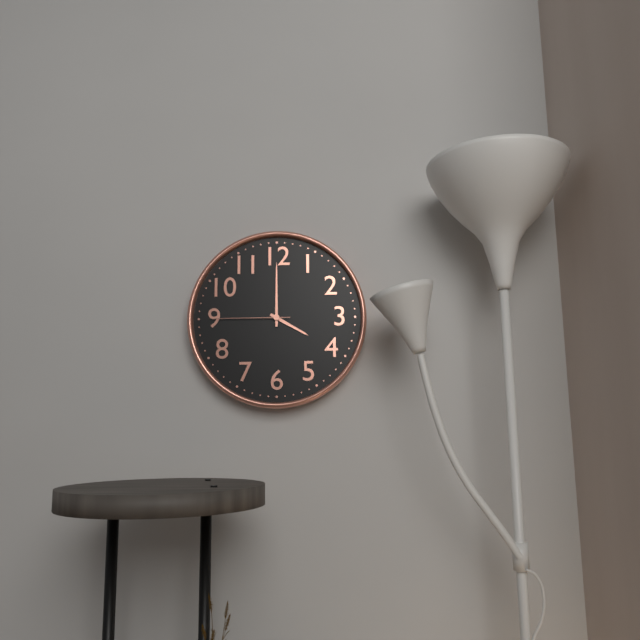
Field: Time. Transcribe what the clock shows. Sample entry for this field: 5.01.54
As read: 4.00.45
